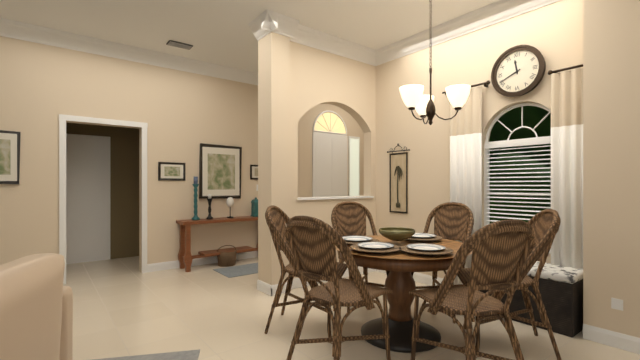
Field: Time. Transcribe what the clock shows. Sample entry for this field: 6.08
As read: 11.41
